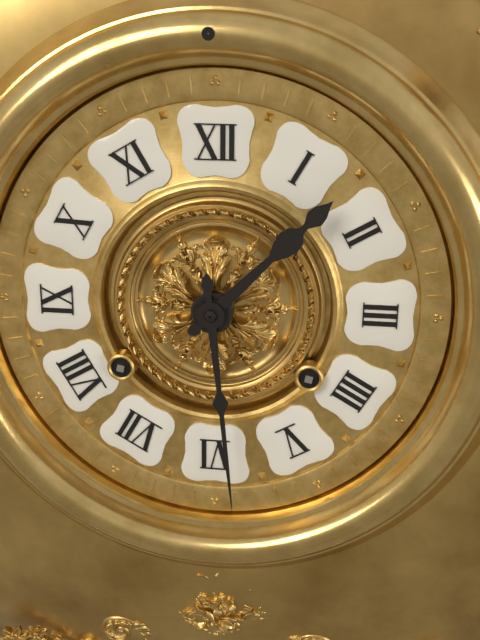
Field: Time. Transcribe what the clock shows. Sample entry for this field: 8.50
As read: 1.29
